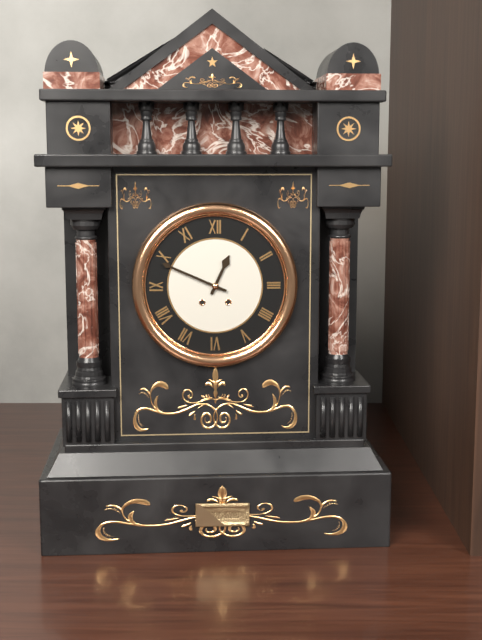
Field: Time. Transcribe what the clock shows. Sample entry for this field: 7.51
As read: 12.49
